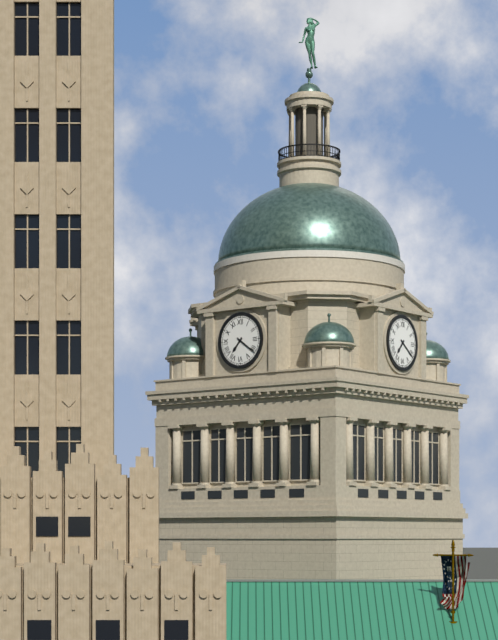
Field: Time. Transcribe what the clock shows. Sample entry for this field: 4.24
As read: 7.21
